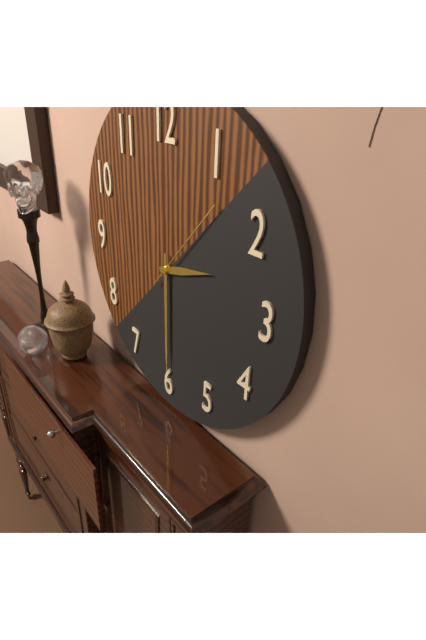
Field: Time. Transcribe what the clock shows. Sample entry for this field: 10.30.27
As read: 2.30.07
